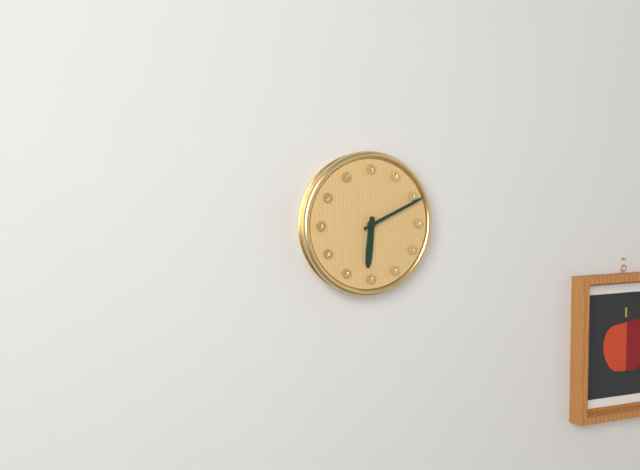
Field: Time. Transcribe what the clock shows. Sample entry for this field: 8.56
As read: 6.11
